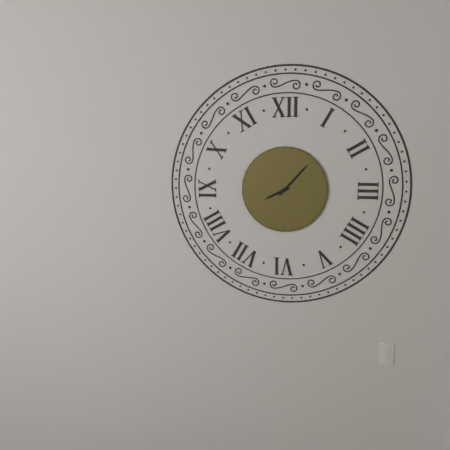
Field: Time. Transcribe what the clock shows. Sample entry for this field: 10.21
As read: 8.07
